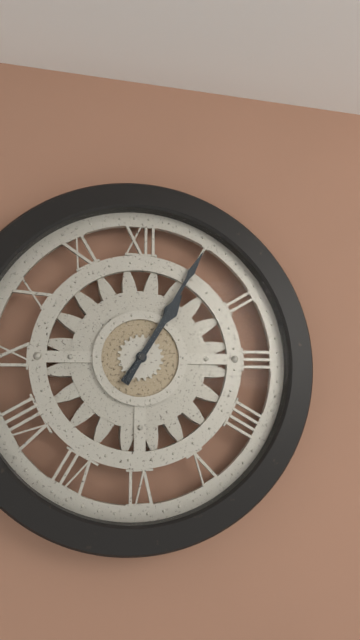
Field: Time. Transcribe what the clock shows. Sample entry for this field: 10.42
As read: 1.05
